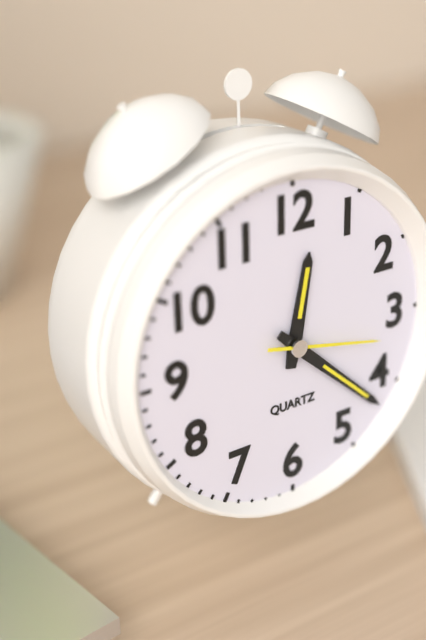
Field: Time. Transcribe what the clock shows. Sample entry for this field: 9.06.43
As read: 12.22.17
